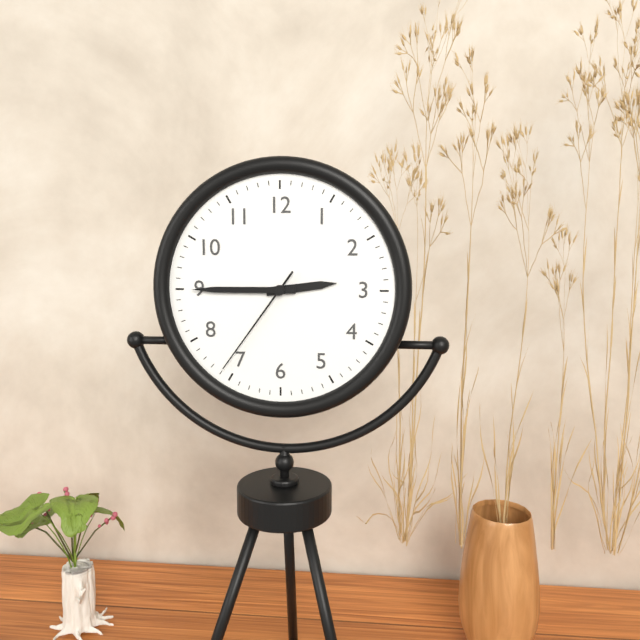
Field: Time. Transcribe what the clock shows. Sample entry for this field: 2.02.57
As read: 2.45.36
